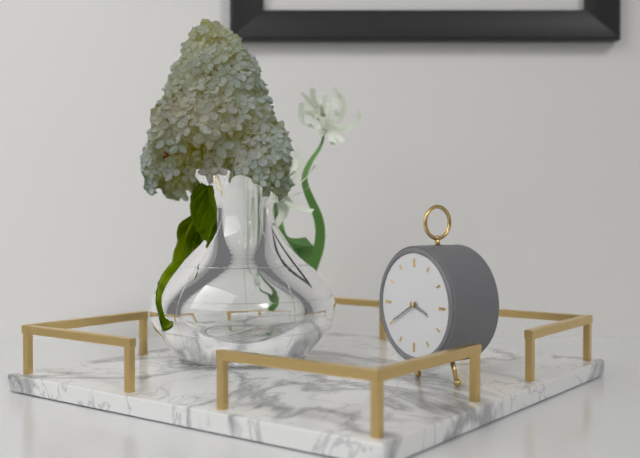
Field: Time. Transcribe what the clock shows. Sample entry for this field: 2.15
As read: 3.40
